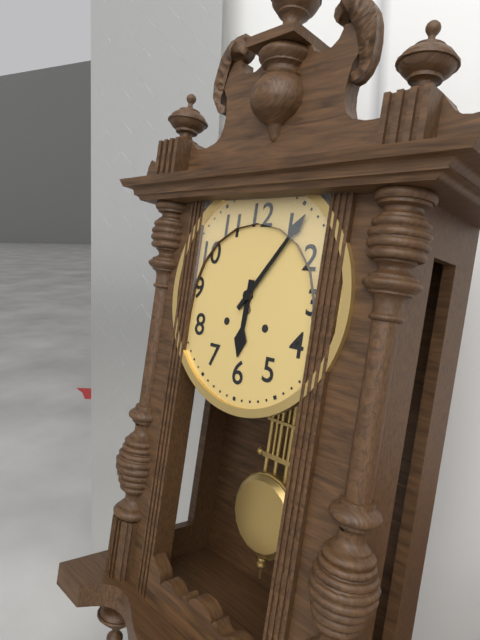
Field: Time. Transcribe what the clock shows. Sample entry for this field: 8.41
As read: 6.06
